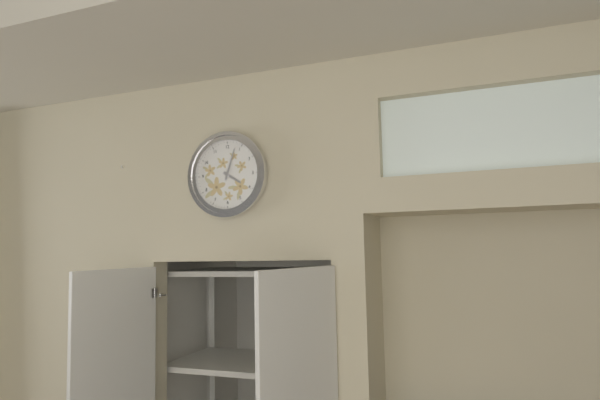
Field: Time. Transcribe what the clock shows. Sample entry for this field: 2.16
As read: 4.03
